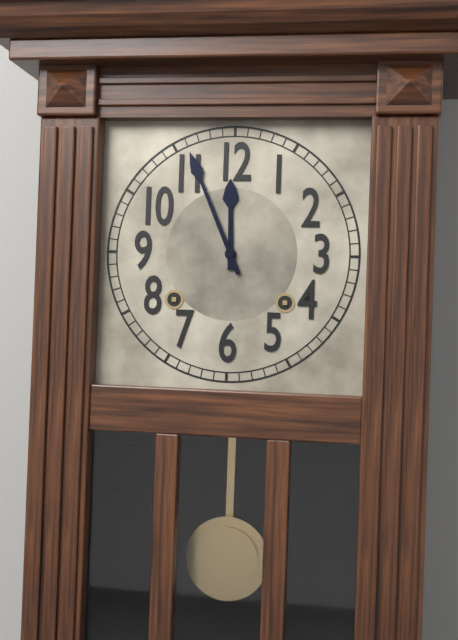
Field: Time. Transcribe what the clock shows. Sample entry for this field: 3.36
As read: 11.56
